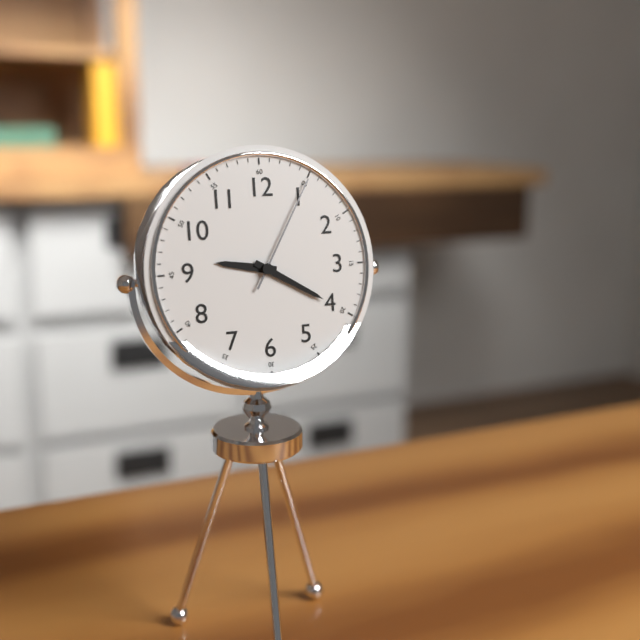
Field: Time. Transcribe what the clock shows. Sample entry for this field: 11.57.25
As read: 9.20.05
